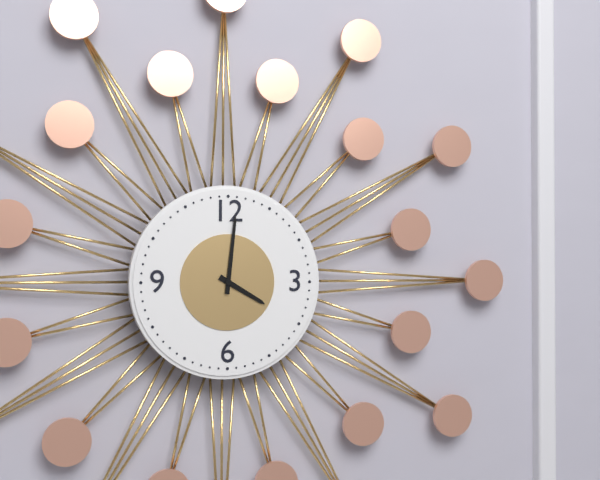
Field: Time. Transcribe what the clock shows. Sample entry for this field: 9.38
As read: 4.01
